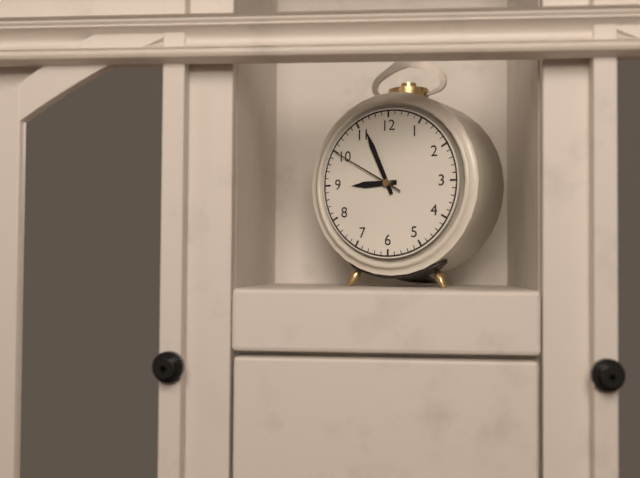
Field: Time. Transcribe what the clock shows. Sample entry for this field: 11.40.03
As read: 8.56.50
